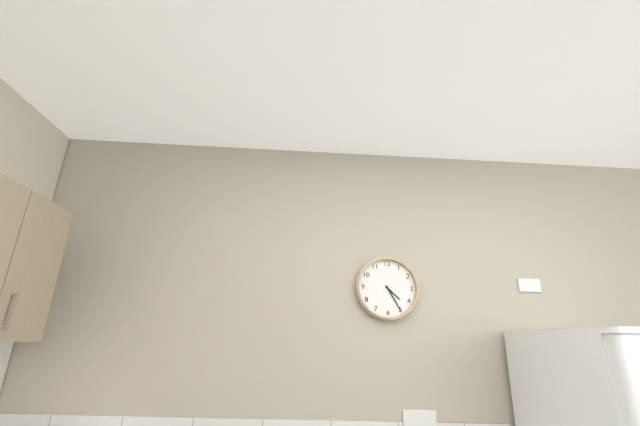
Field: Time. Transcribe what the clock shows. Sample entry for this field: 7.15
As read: 4.25
